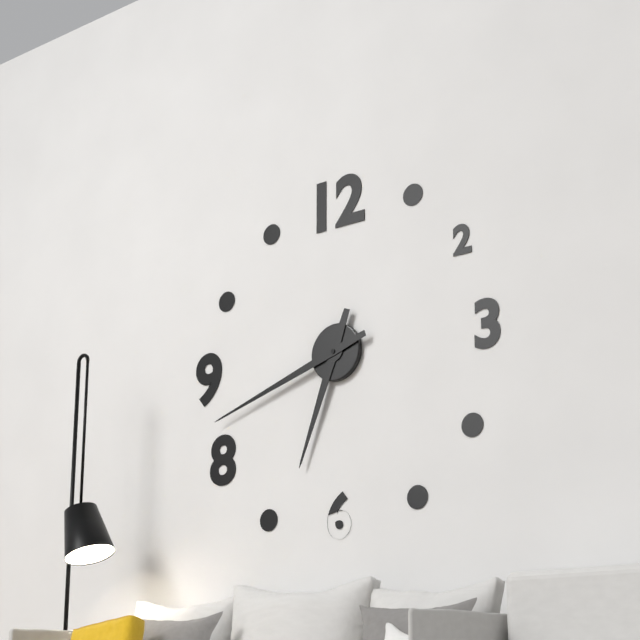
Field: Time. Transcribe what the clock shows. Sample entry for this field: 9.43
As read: 6.42
